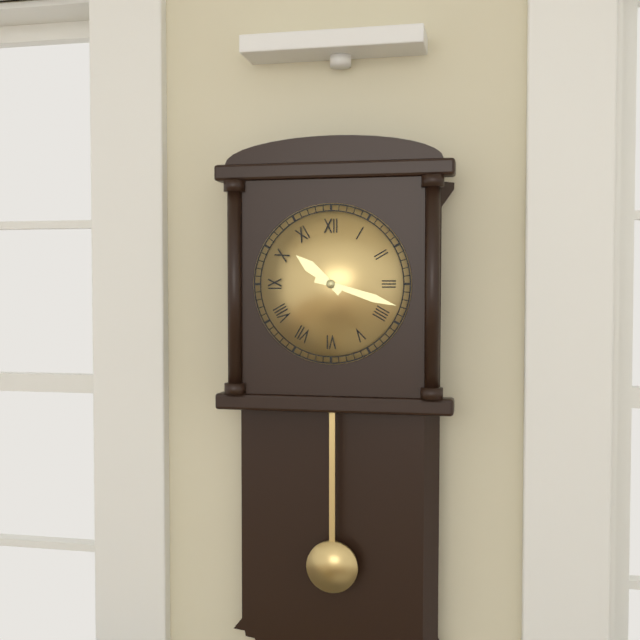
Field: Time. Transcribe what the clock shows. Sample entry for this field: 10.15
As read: 10.18
